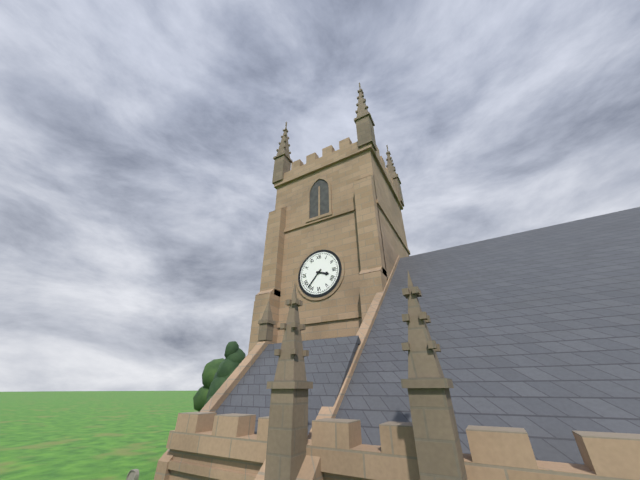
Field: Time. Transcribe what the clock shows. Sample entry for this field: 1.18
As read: 3.37
